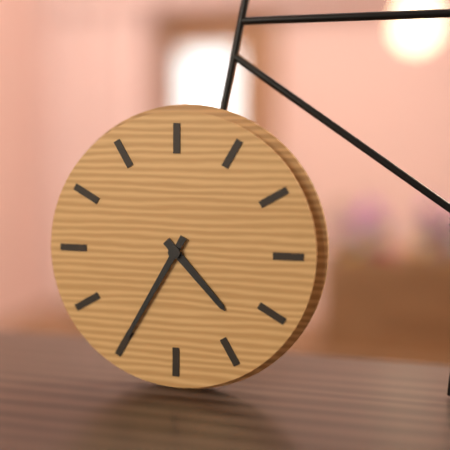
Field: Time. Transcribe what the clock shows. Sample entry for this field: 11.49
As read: 4.35
